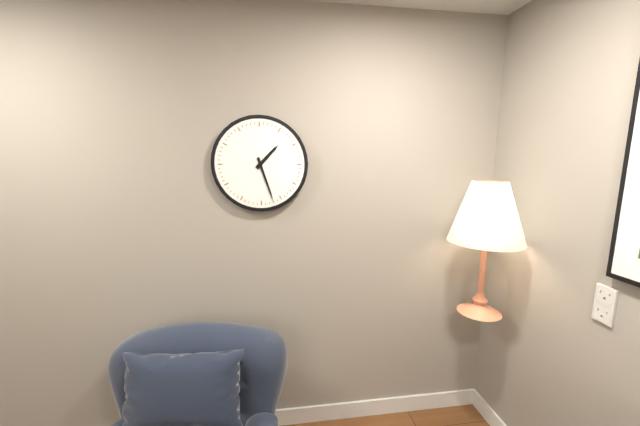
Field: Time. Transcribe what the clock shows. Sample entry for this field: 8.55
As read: 1.27
